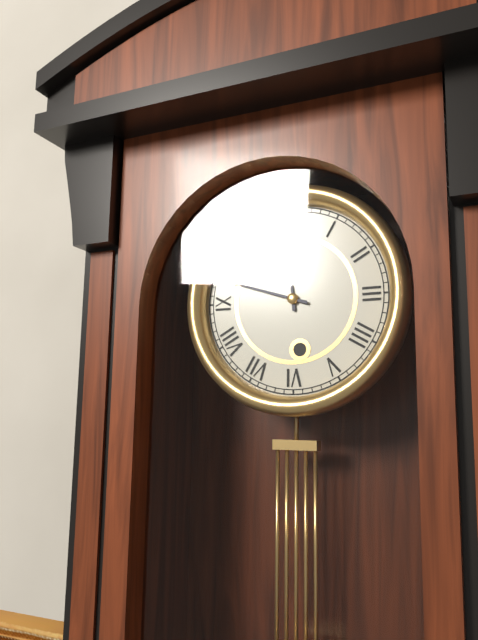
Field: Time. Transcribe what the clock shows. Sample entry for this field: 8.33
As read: 11.48
